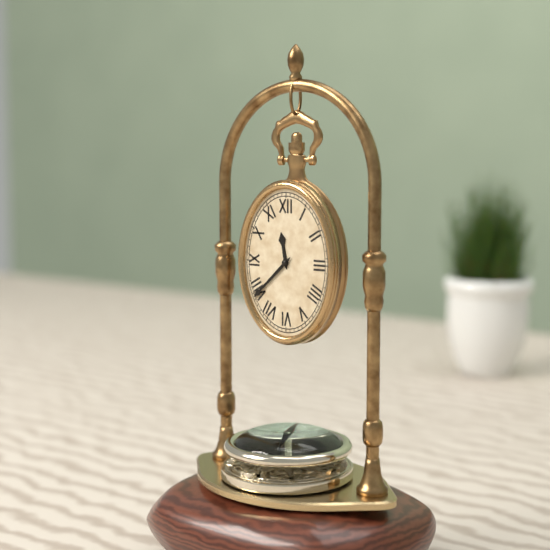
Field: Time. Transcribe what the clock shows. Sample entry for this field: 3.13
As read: 11.38
